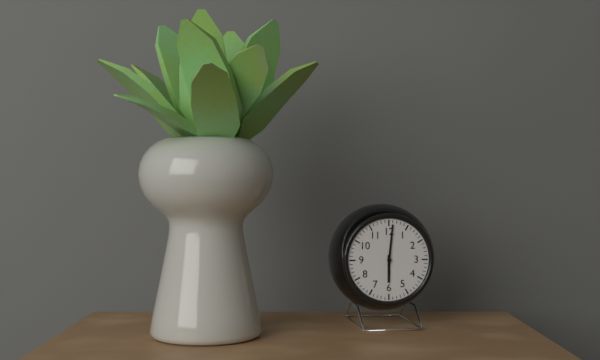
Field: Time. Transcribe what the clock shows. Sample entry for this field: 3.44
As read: 6.01
